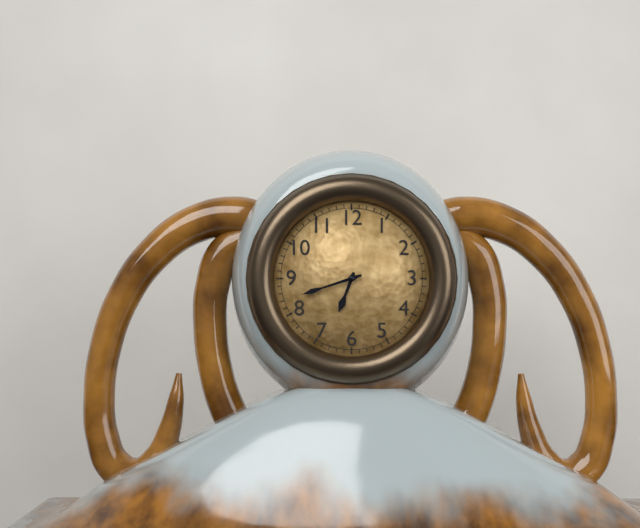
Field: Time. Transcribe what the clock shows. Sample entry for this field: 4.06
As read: 6.42
